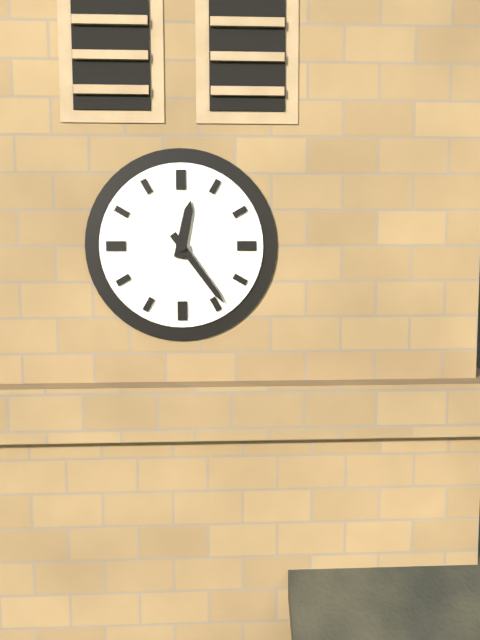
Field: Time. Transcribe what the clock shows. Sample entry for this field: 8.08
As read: 12.24
